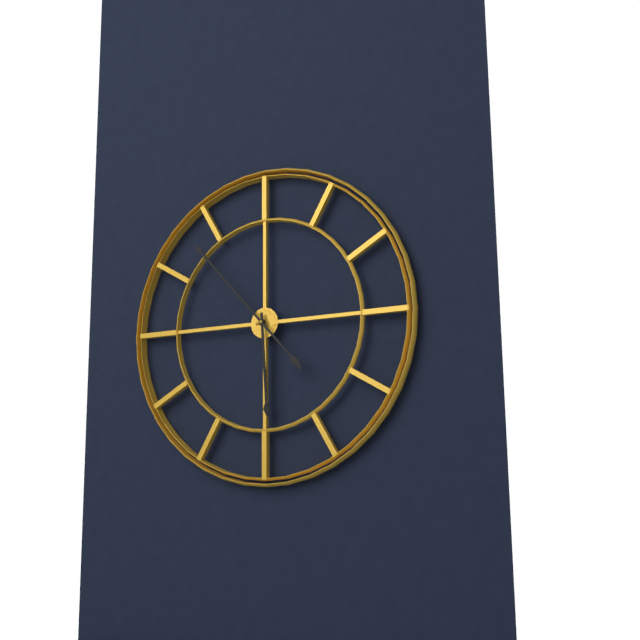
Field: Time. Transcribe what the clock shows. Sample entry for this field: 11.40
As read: 5.53
